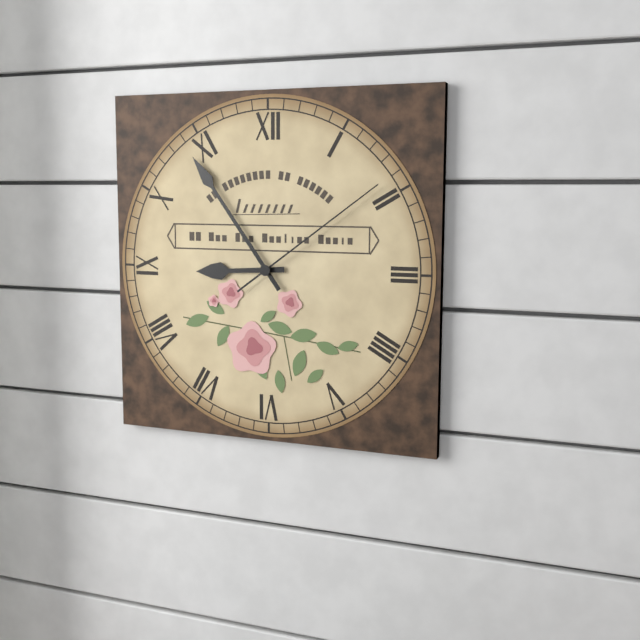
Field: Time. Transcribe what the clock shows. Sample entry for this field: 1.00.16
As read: 8.54.09
